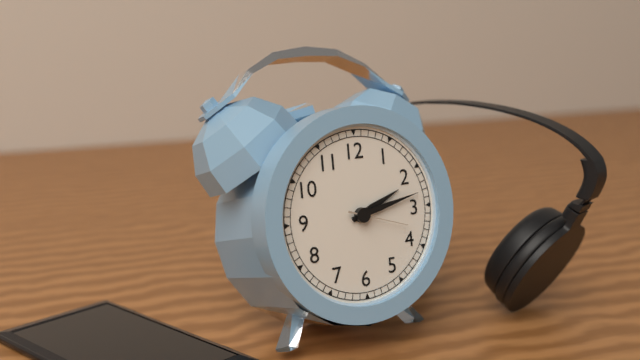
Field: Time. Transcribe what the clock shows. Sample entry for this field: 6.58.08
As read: 2.13.18
